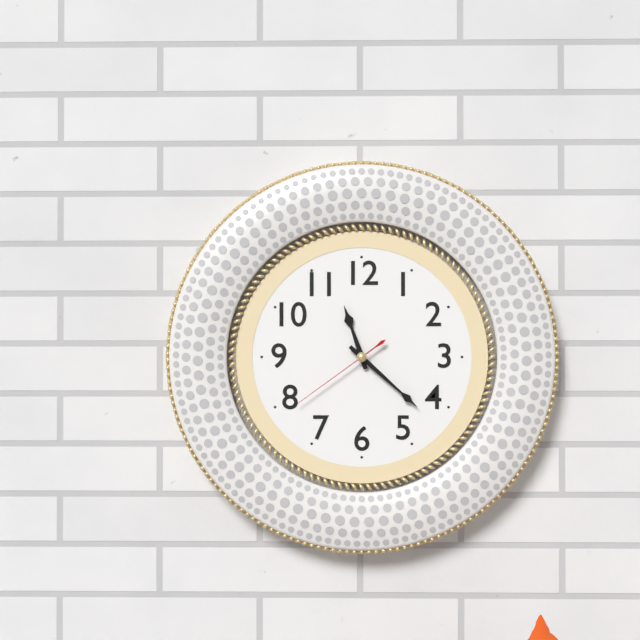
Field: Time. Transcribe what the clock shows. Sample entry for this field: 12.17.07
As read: 11.22.39
